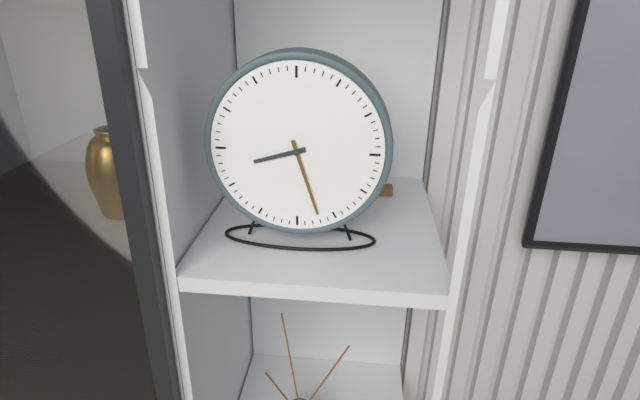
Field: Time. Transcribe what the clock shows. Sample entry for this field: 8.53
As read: 8.27
